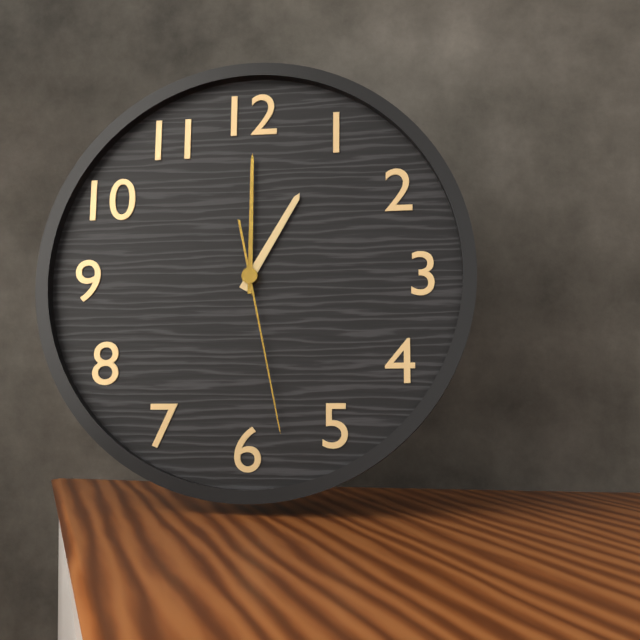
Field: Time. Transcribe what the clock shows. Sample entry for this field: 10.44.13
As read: 1.00.28
